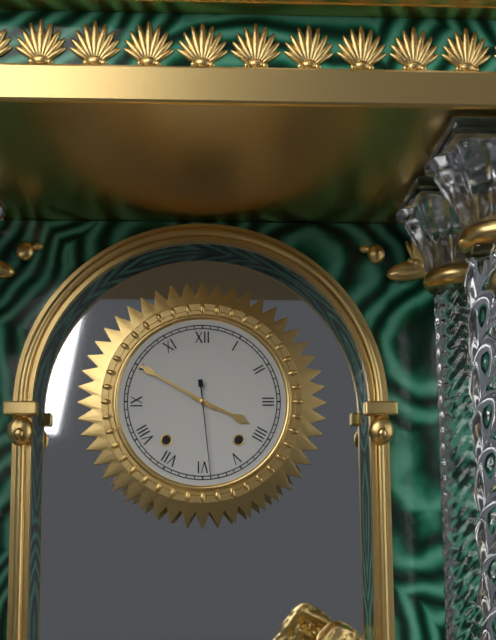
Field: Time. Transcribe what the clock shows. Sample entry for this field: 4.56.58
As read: 3.50.29
